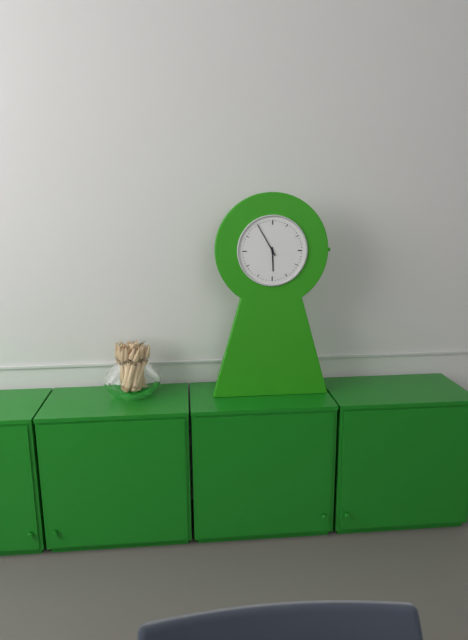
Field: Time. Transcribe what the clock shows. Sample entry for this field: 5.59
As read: 5.55
